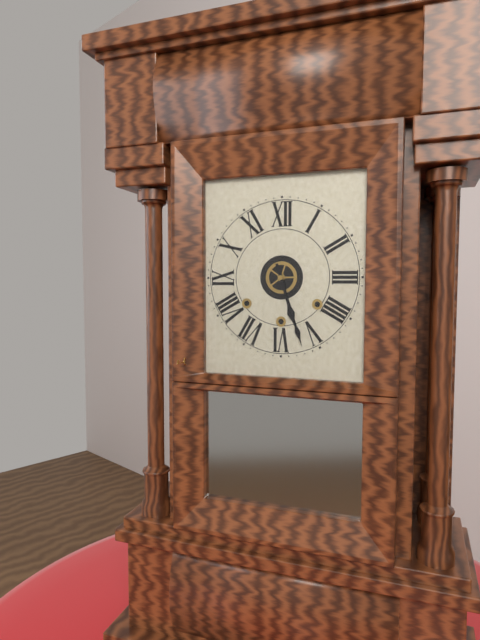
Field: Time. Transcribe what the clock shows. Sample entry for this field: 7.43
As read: 5.27
